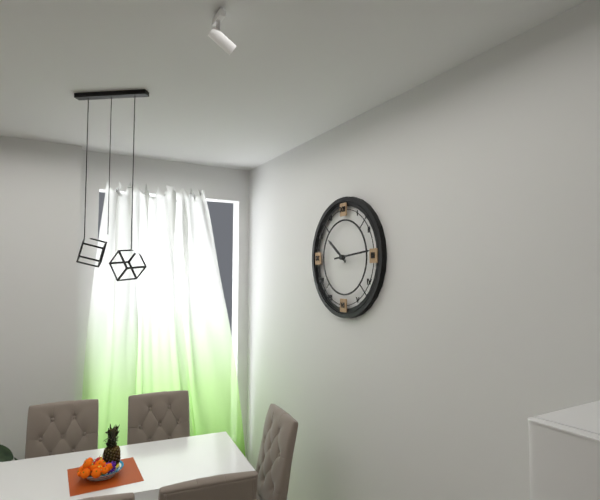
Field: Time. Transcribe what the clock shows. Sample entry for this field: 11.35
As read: 10.14
